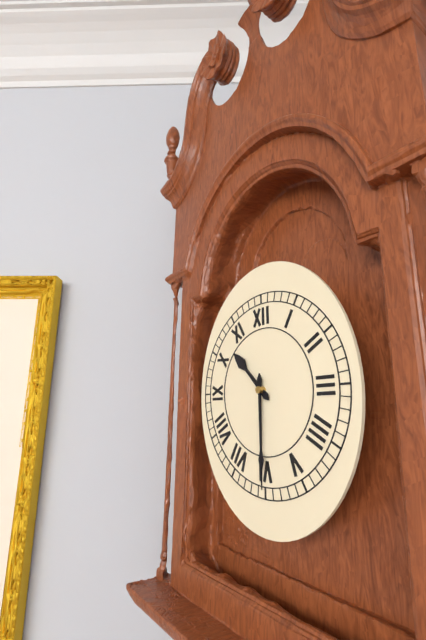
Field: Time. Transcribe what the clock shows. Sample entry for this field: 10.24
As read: 10.30
